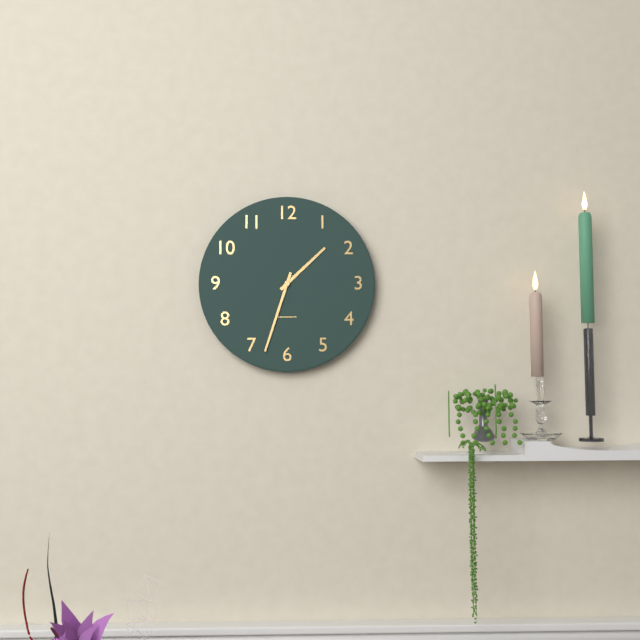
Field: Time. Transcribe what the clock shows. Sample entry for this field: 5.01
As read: 1.33
